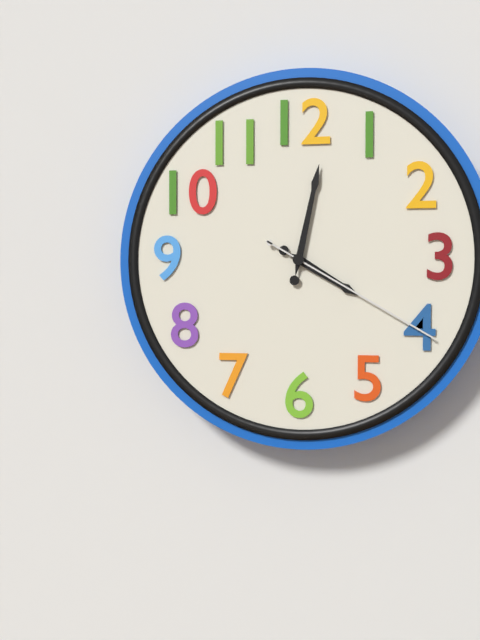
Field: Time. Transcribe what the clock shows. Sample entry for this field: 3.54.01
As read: 4.02.20
